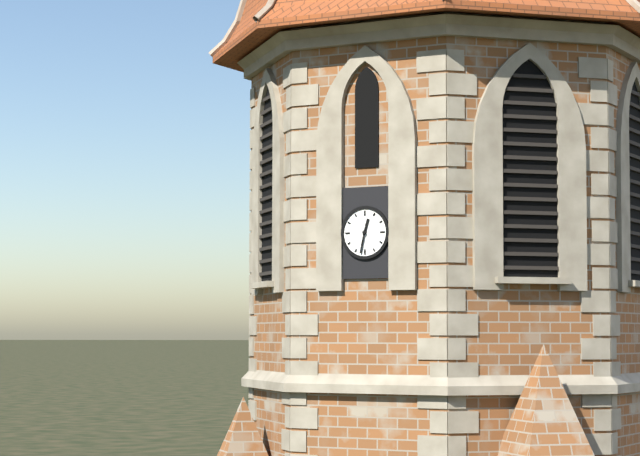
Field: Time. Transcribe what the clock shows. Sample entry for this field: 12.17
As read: 12.32
